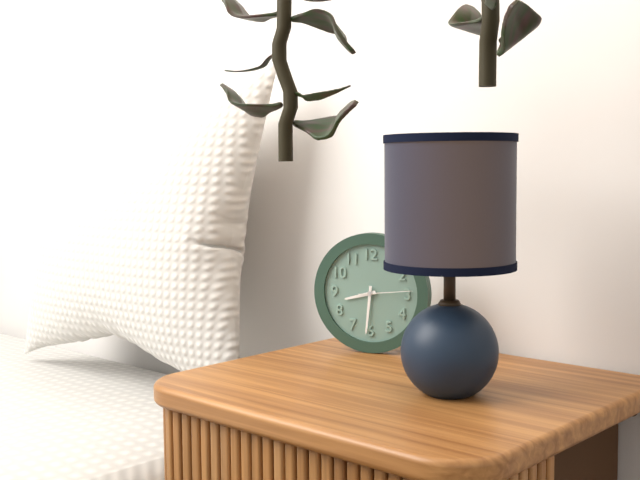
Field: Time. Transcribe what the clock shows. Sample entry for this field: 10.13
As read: 8.31
